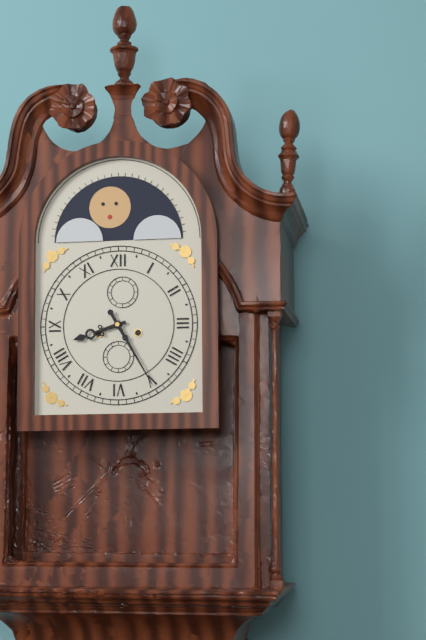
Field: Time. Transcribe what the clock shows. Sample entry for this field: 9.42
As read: 8.25
